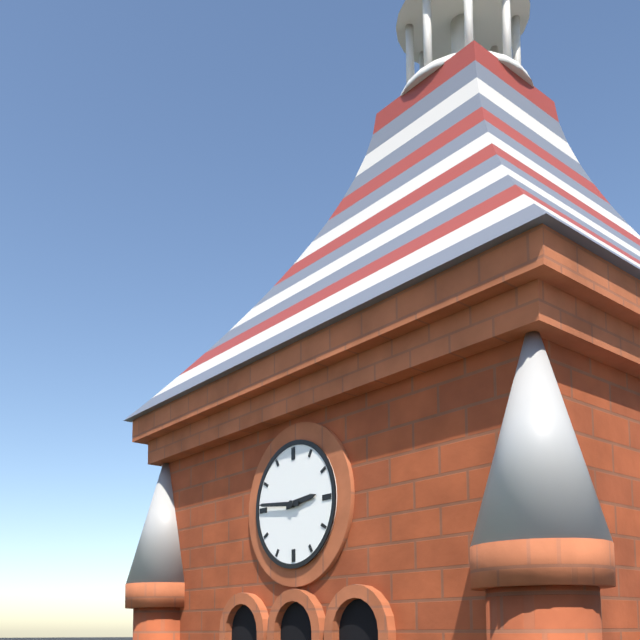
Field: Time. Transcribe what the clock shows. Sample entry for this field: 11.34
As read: 2.46
